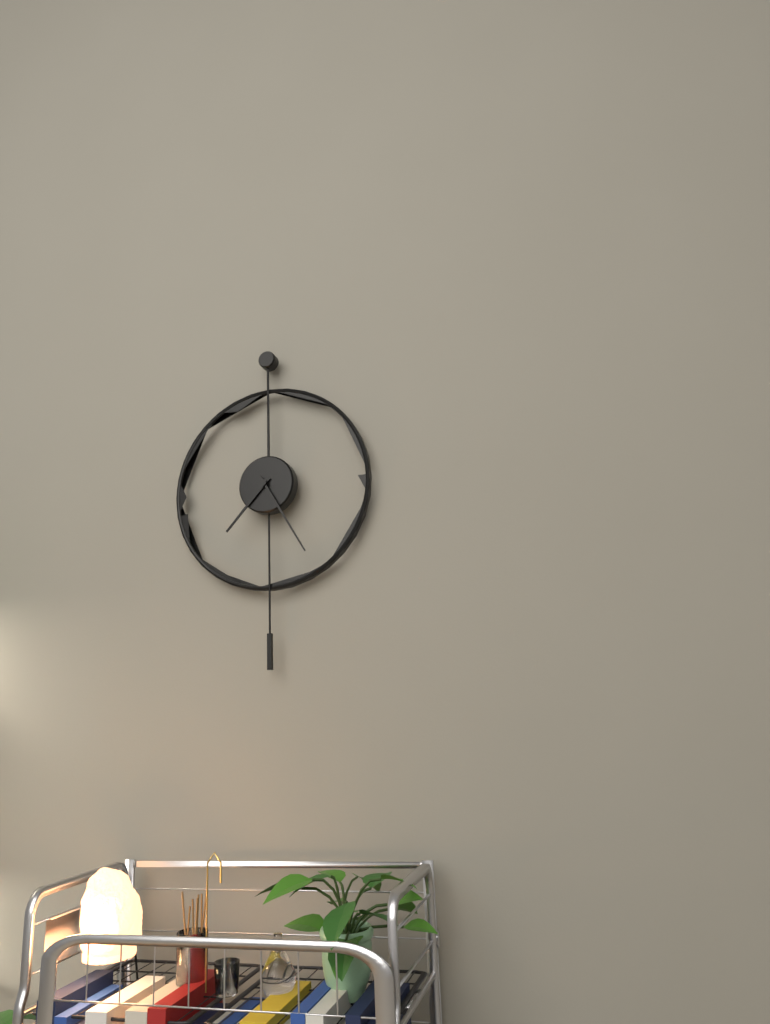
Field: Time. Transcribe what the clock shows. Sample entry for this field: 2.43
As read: 7.25
